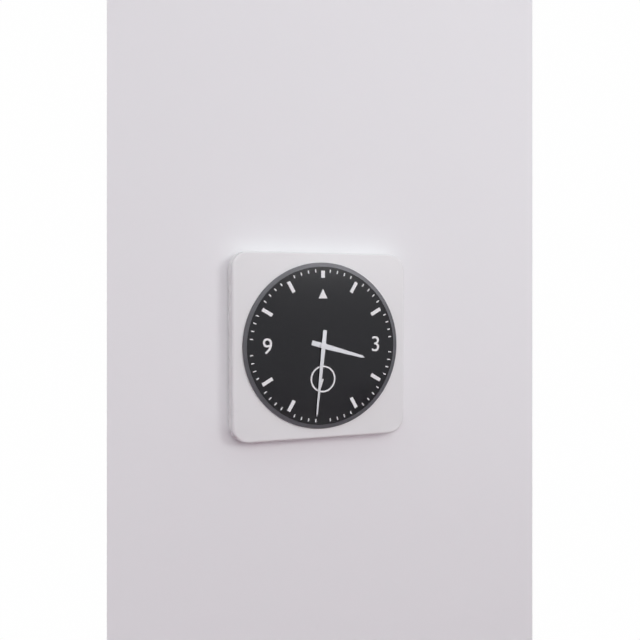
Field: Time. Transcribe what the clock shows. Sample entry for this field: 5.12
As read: 3.31
